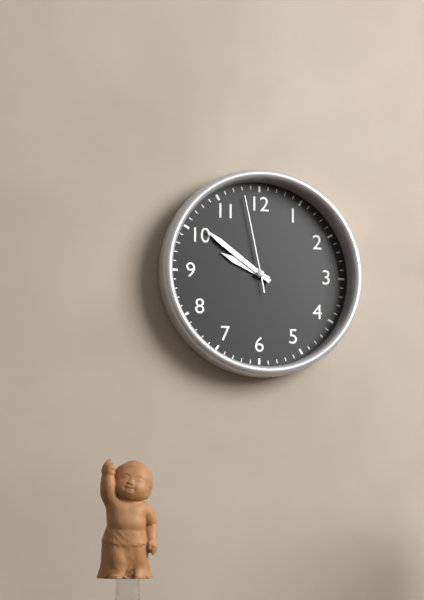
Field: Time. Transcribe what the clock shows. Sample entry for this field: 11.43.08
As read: 9.51.58
